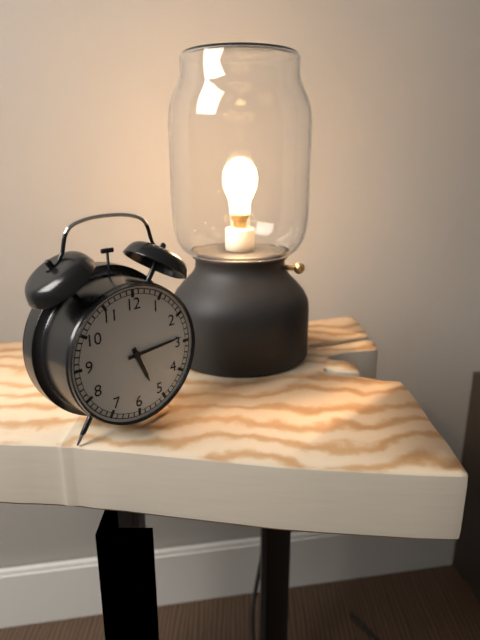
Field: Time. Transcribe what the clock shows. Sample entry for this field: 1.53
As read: 5.14
